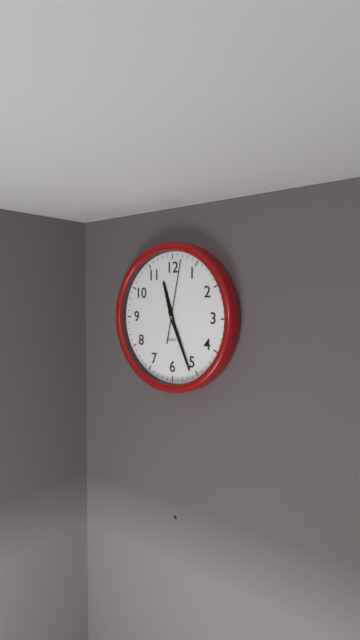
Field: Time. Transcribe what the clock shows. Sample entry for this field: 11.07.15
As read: 11.26.02
